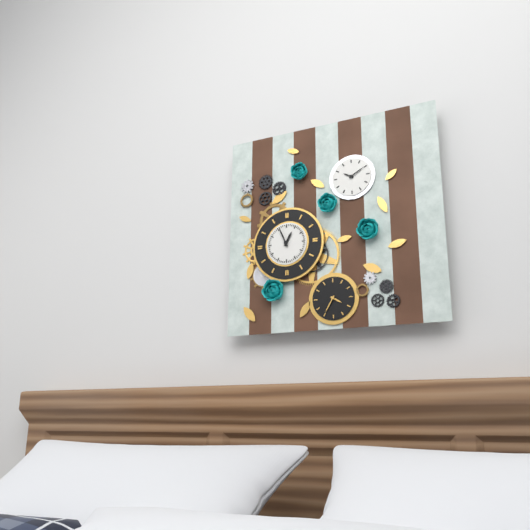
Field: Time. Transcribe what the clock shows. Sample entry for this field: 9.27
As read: 12.56
